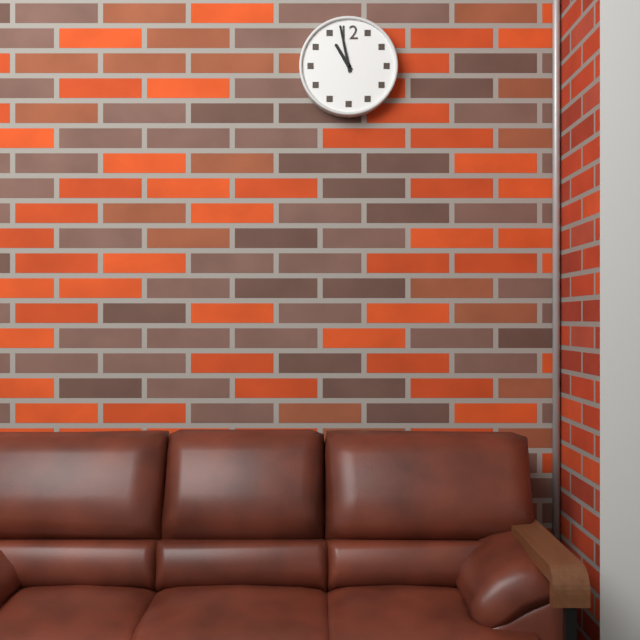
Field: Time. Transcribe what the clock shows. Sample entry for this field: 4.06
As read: 10.58
